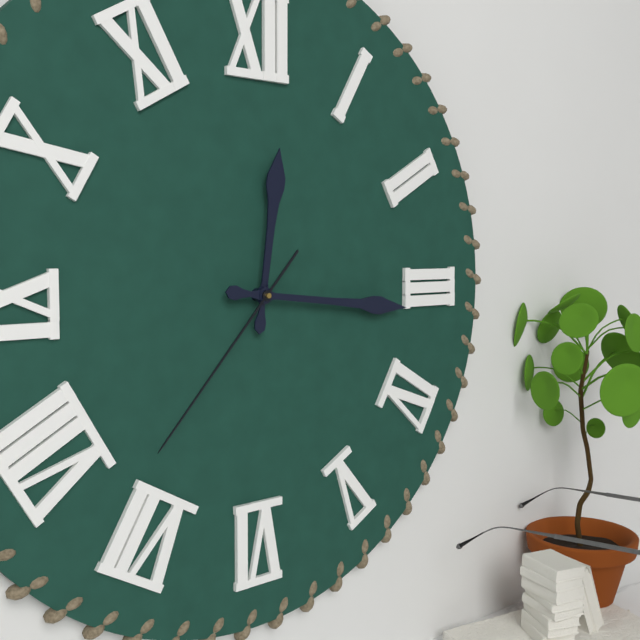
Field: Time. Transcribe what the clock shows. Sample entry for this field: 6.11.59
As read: 12.16.37
